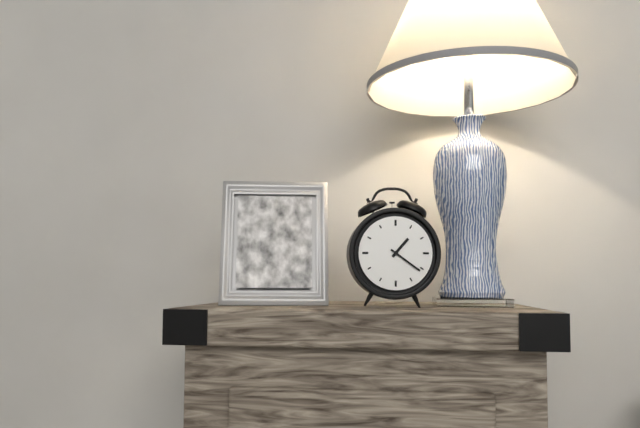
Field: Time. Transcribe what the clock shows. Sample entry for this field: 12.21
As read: 1.21
